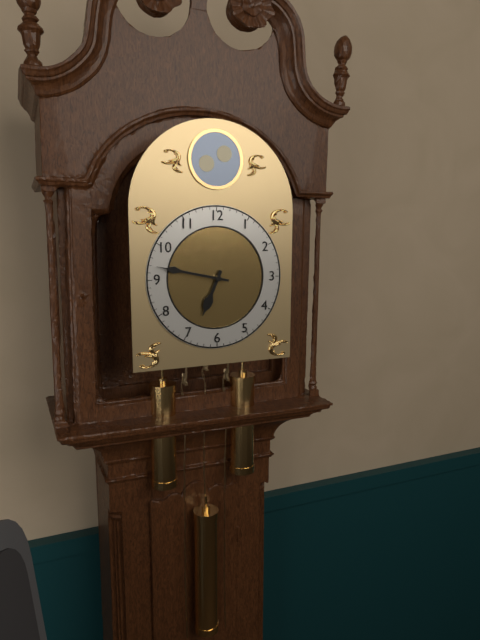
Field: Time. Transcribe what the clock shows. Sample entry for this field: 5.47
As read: 6.47
